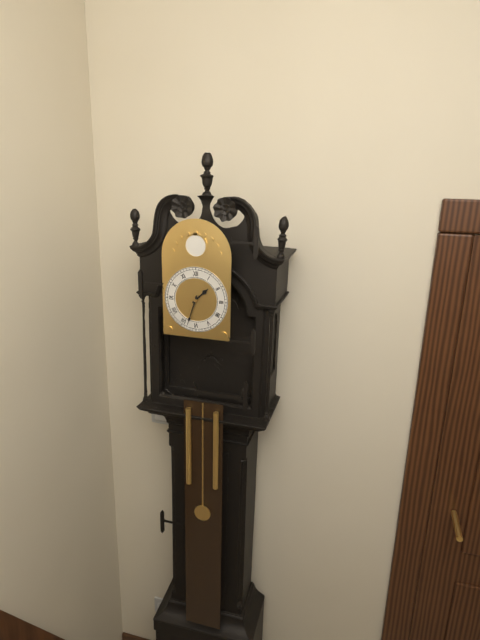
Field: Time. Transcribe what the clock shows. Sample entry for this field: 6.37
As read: 1.33
